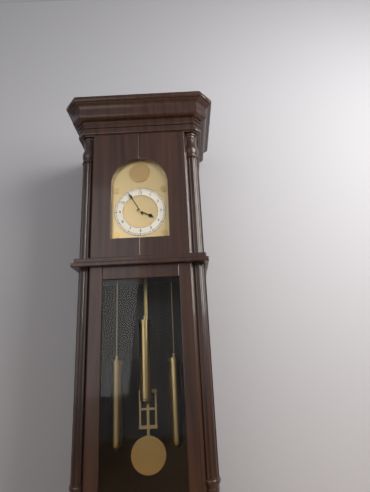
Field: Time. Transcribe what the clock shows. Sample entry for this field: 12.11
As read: 3.55
